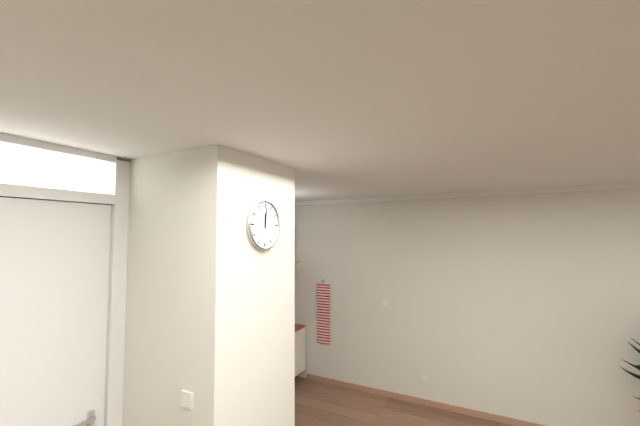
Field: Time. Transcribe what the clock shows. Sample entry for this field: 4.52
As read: 12.01
